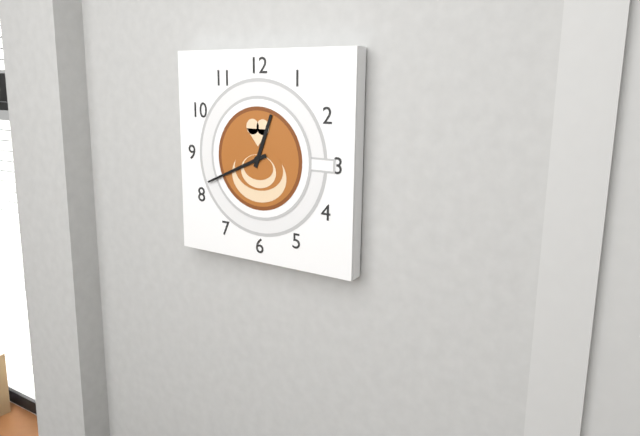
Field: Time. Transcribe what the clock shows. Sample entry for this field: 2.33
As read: 12.41
